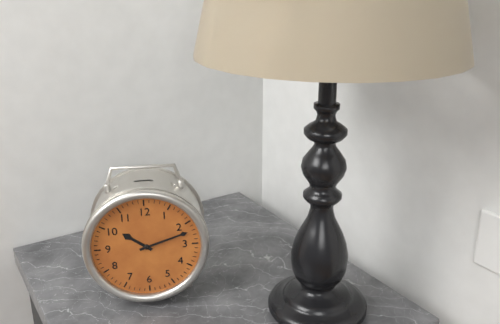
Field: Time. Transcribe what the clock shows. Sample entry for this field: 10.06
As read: 10.12
